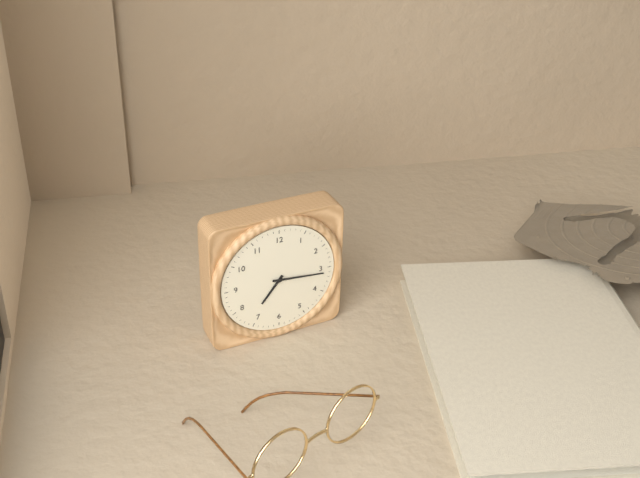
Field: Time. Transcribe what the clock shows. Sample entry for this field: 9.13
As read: 7.16
